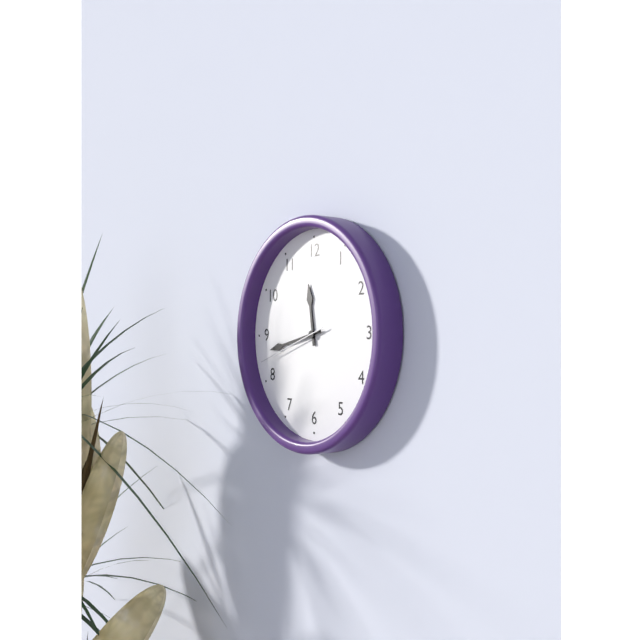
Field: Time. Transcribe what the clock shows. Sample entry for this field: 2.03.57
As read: 11.43.42
